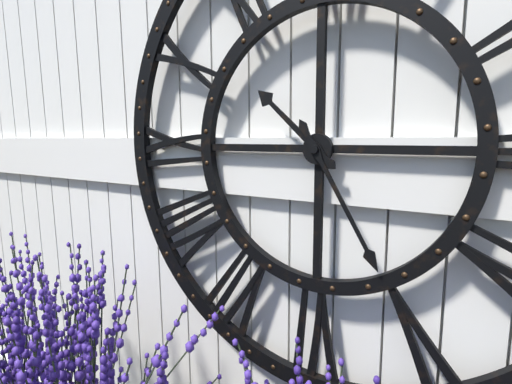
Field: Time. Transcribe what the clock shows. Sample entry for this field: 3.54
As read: 10.25
